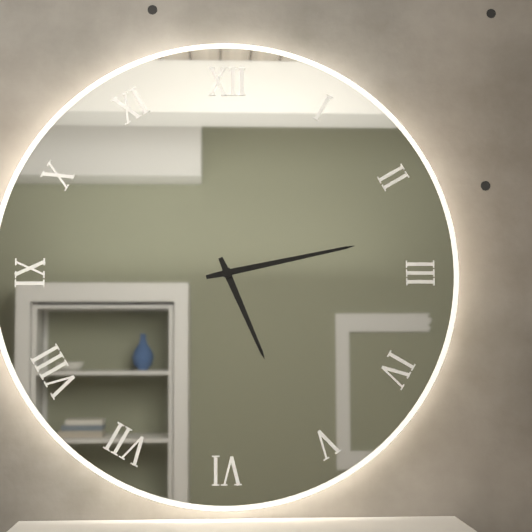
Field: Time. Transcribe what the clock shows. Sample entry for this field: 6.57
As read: 5.13
